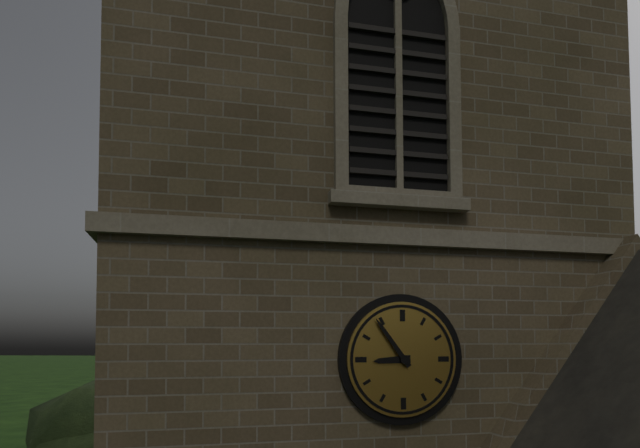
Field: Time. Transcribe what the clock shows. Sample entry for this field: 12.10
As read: 8.54
